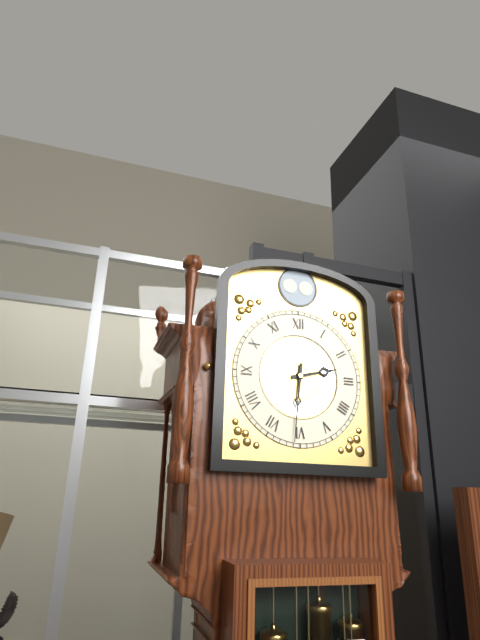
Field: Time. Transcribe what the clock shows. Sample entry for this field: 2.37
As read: 2.31
